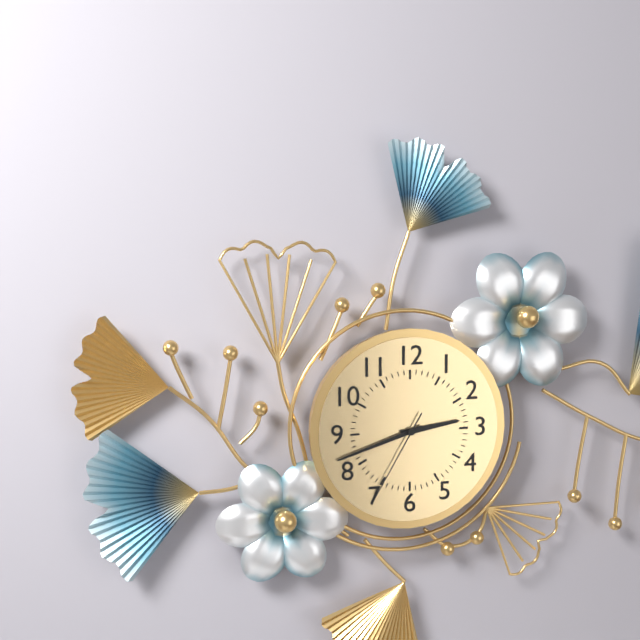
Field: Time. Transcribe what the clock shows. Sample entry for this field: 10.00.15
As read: 2.42.35
